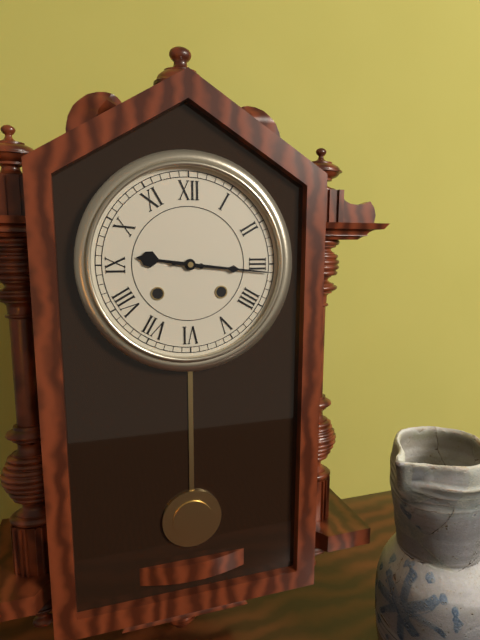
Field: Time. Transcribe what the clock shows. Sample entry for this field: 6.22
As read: 9.16
